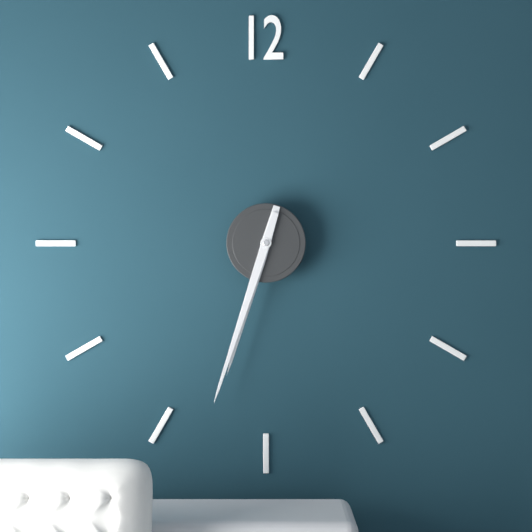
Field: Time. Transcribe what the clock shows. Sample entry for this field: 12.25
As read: 6.33
